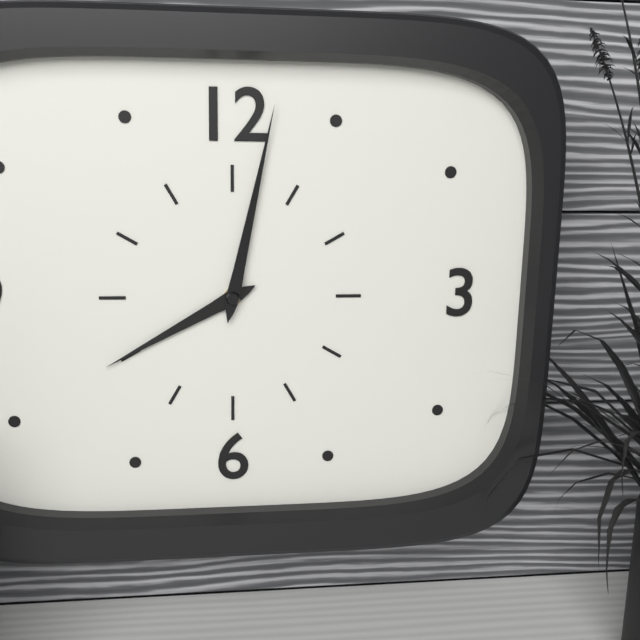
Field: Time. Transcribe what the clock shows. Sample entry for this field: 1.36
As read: 8.02
